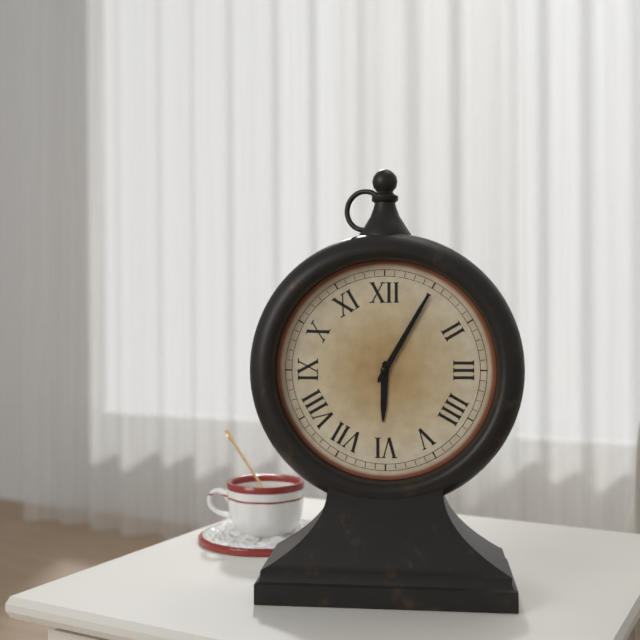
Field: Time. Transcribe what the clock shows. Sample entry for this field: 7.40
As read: 6.05
